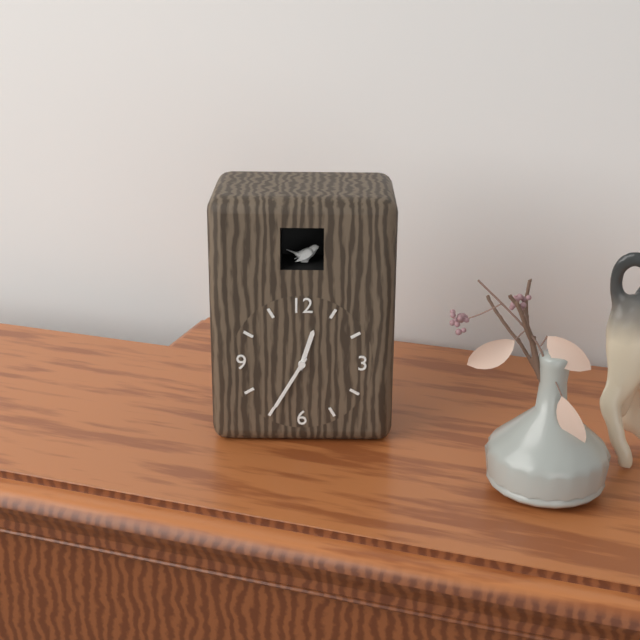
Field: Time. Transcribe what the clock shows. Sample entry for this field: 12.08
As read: 12.35
